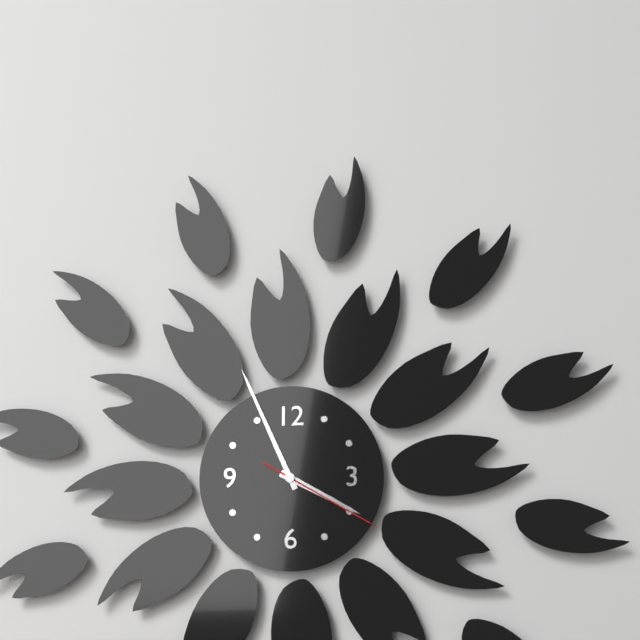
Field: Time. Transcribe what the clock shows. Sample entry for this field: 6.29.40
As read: 3.56.20
